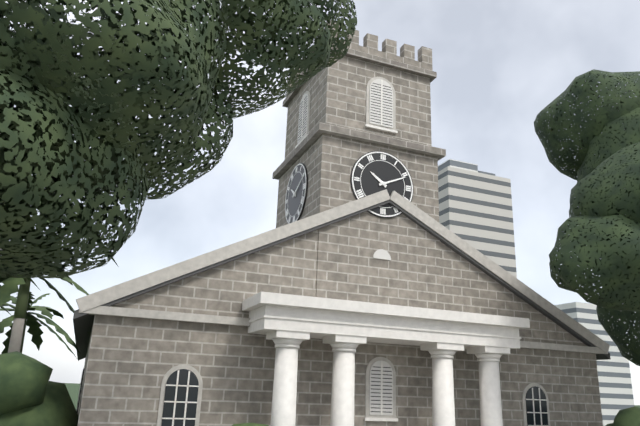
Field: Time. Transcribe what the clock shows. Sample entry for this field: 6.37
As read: 10.11
